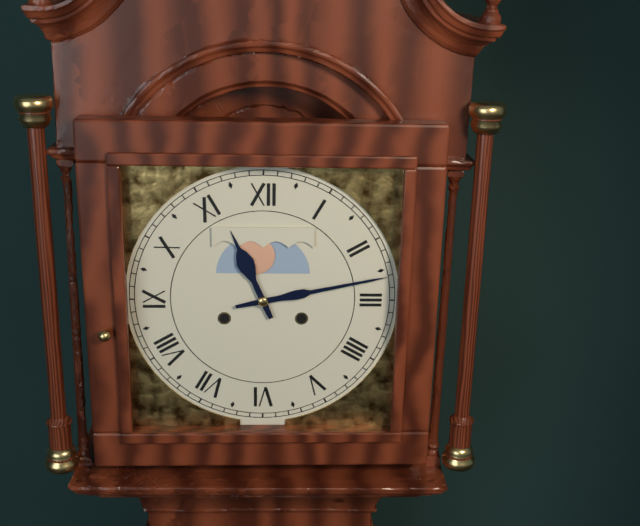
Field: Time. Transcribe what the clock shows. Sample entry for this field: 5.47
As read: 11.13
